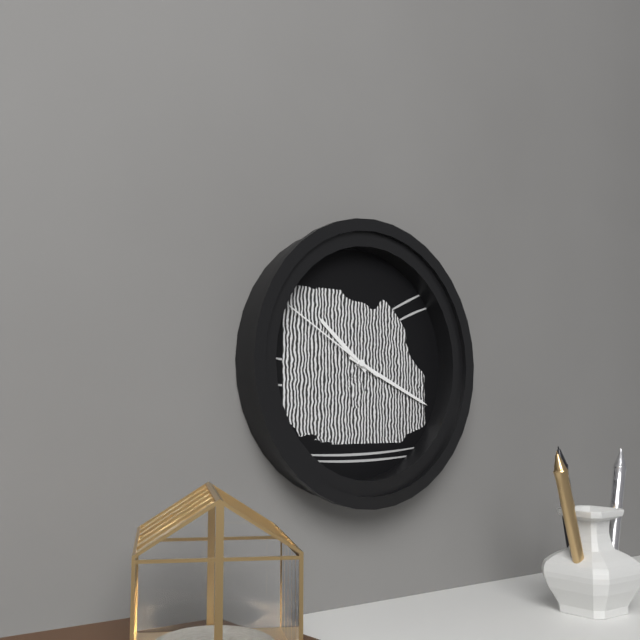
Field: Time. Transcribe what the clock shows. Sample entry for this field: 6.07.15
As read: 10.19.50
